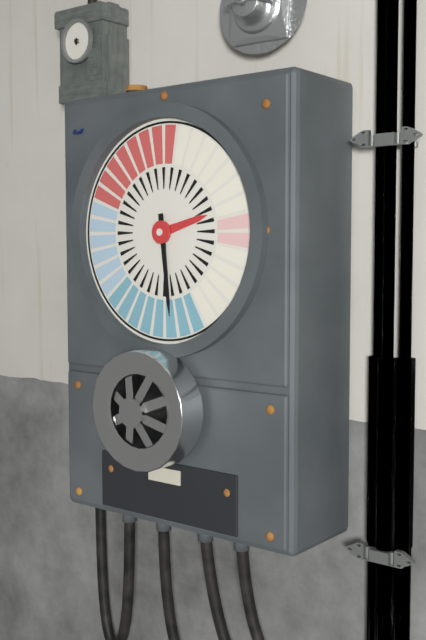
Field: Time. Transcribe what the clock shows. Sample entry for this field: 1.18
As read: 2.29
